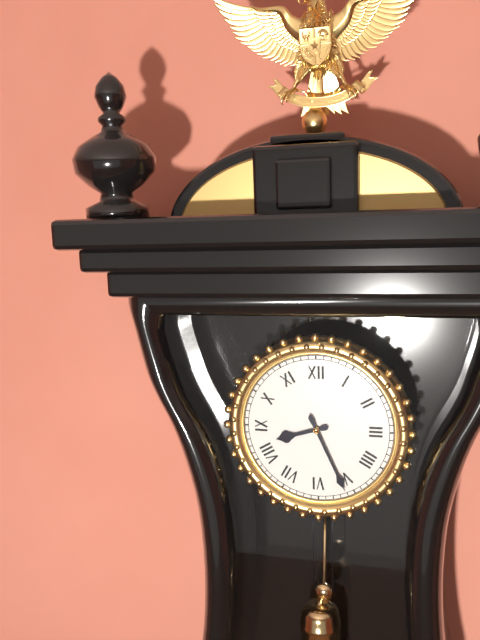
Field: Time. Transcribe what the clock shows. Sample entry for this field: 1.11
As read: 8.26
